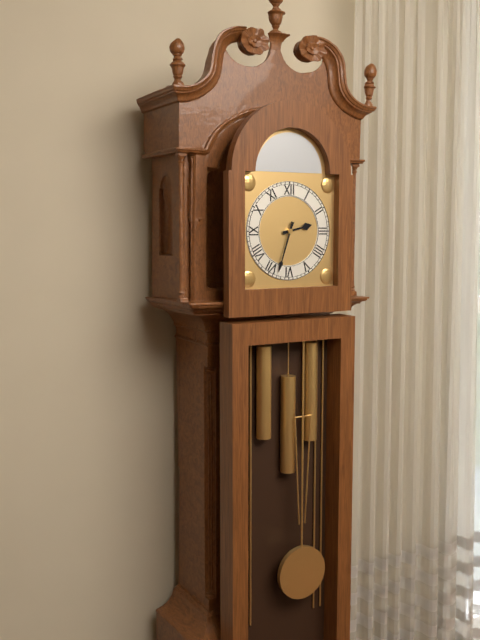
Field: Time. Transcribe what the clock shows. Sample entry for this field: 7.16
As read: 2.33
